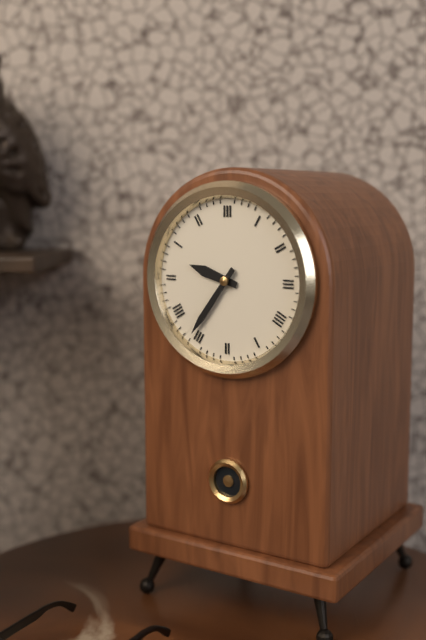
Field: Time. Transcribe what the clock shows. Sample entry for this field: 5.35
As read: 9.36
